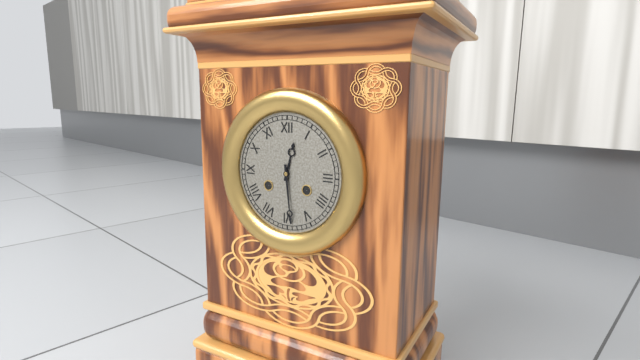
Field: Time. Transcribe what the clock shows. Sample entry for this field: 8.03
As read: 12.29
